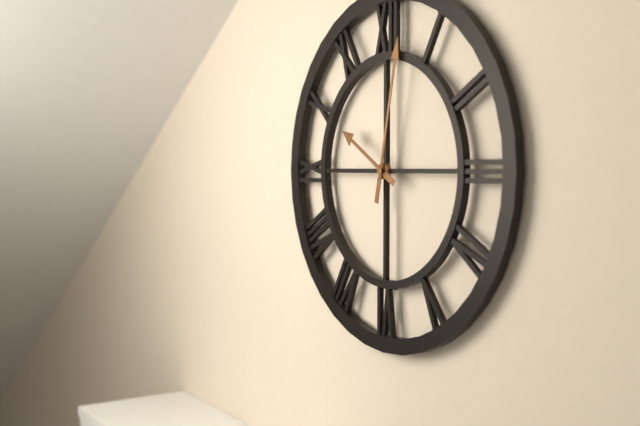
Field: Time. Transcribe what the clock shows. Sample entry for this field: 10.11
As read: 10.02
